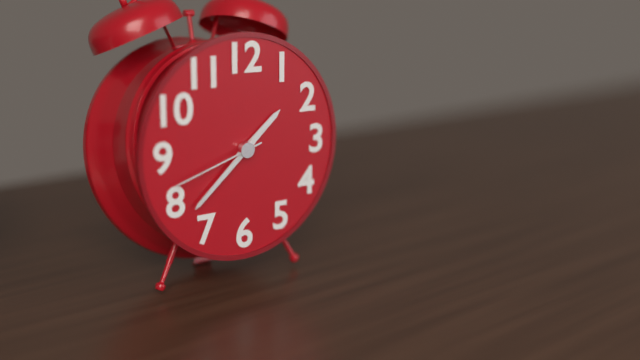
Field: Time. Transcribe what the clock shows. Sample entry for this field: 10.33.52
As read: 1.38.42
